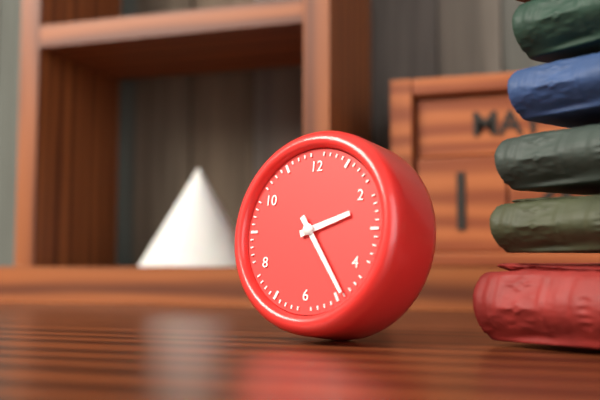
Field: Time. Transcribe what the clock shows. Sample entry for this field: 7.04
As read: 2.24
